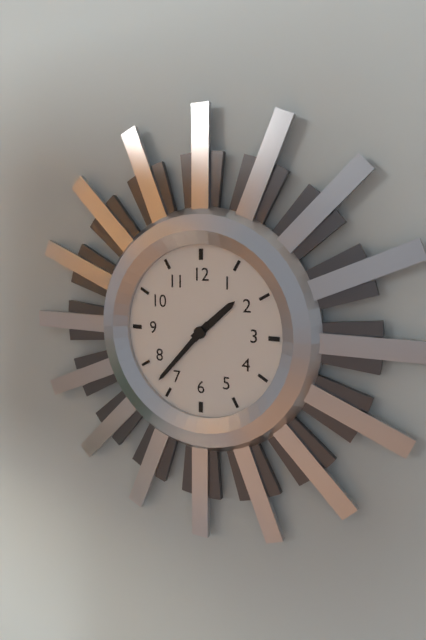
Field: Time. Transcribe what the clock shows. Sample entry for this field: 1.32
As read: 1.37
